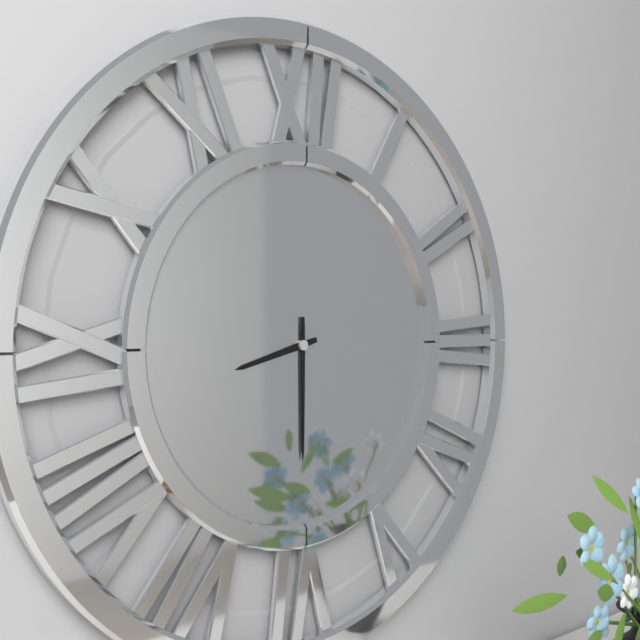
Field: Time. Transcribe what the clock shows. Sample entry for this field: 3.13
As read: 8.30
